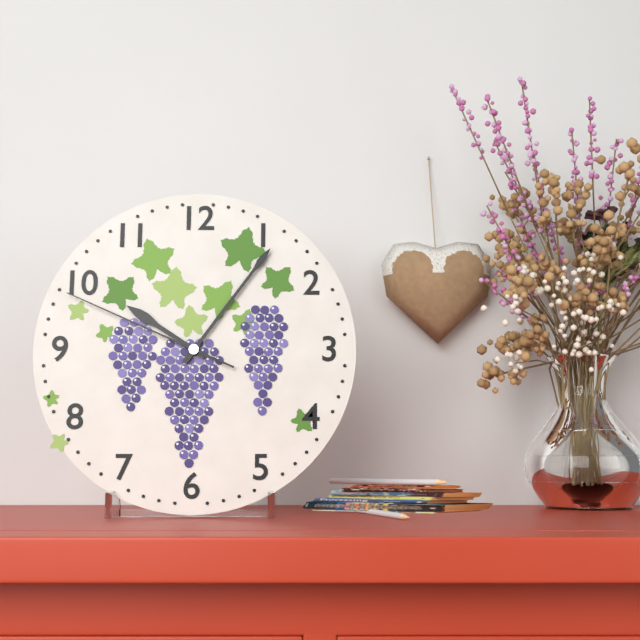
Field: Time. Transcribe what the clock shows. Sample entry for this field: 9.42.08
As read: 10.06.49
